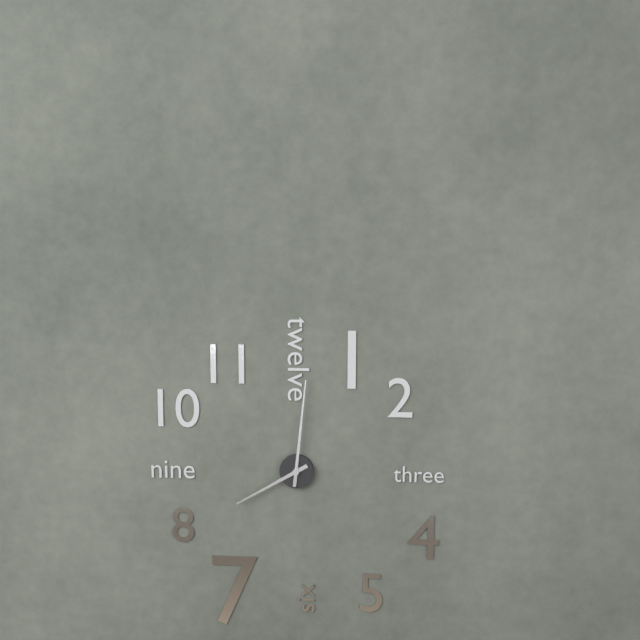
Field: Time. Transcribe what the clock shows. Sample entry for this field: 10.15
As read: 8.01
